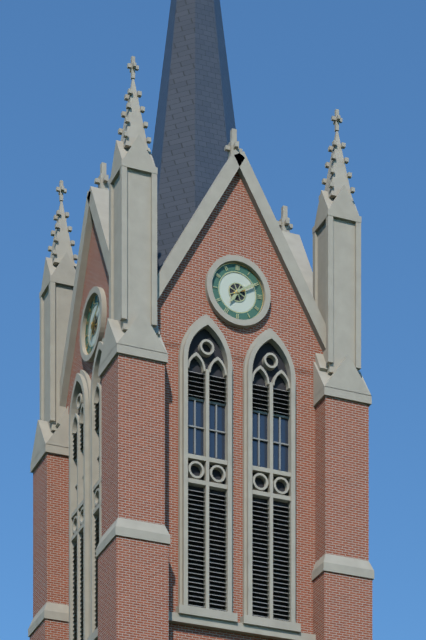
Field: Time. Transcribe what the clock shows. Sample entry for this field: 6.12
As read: 7.10
